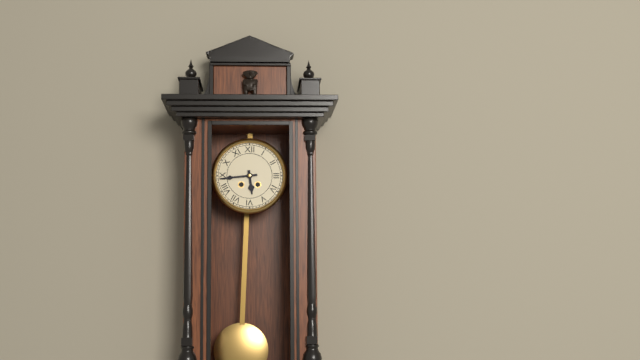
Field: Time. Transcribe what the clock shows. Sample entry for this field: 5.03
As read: 5.44
